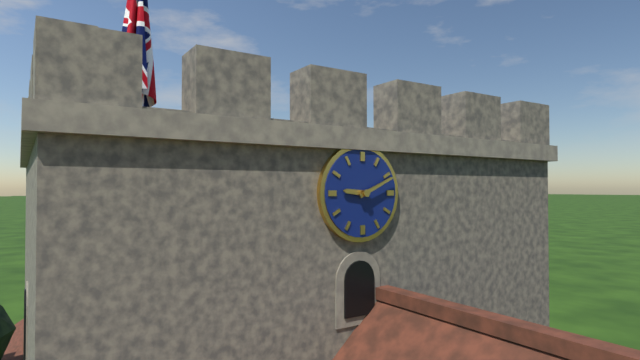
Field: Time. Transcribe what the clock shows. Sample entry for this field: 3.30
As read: 9.11
